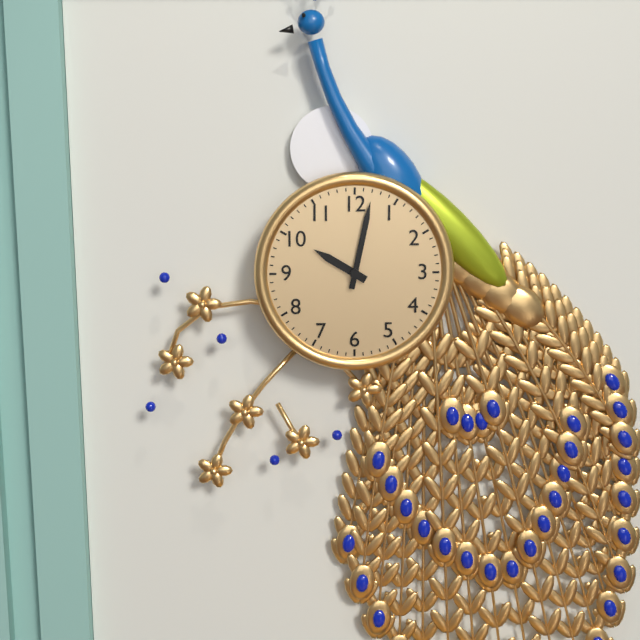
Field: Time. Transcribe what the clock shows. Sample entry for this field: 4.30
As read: 10.02
